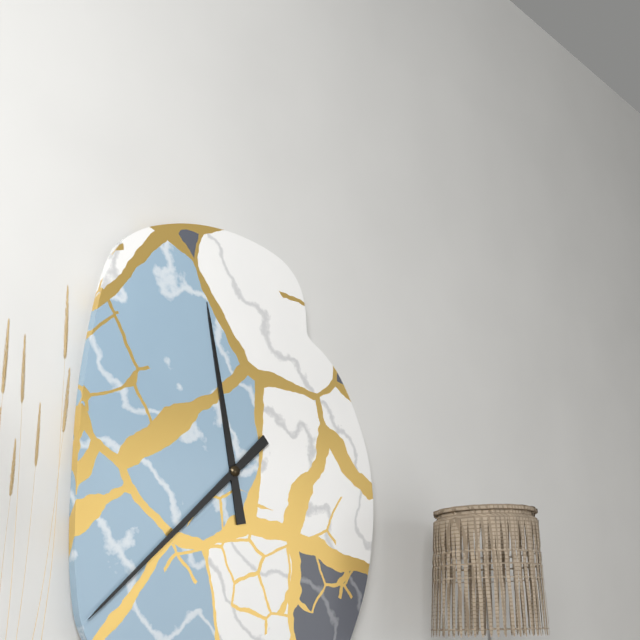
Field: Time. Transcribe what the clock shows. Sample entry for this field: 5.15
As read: 11.38
